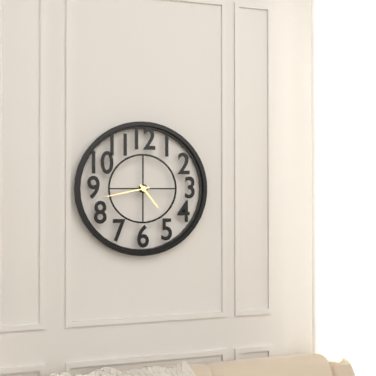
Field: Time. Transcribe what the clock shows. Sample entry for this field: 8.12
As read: 4.43
